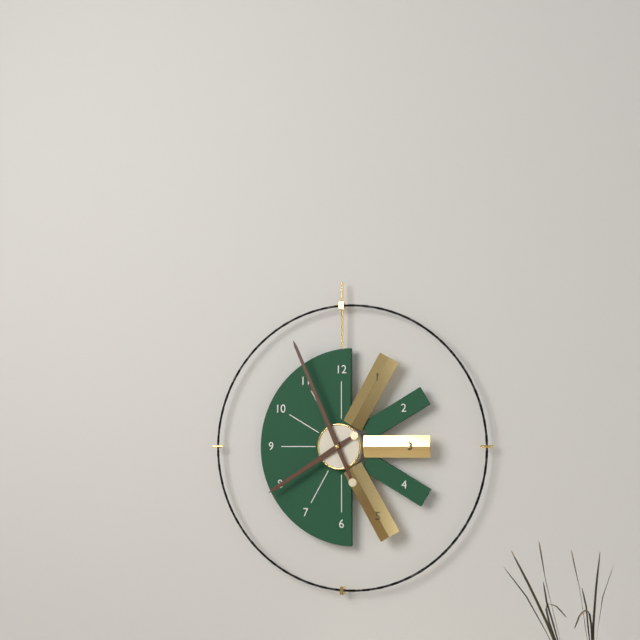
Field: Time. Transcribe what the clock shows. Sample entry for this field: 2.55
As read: 7.56
